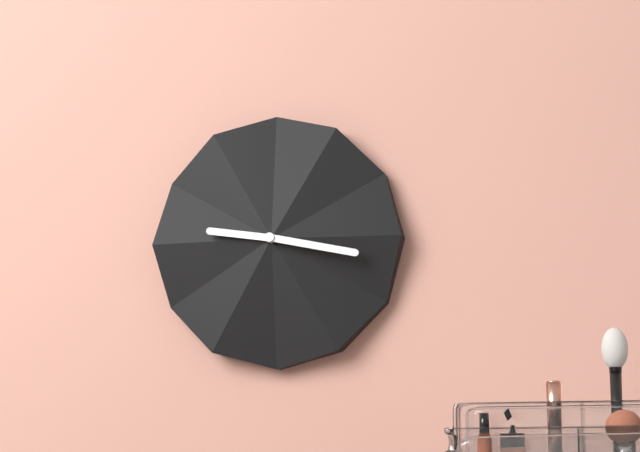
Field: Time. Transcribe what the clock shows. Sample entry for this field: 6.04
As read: 9.17
